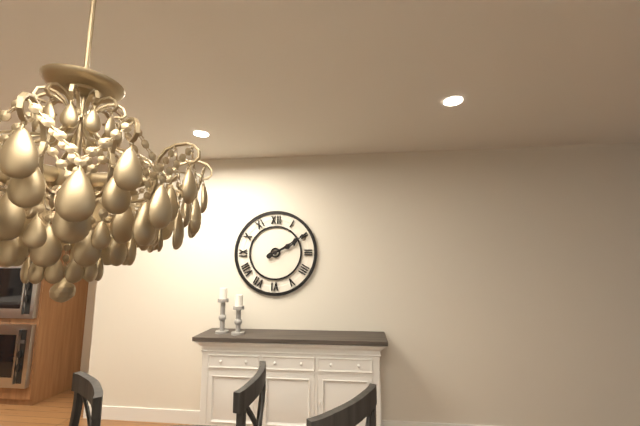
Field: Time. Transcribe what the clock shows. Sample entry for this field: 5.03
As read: 2.10
